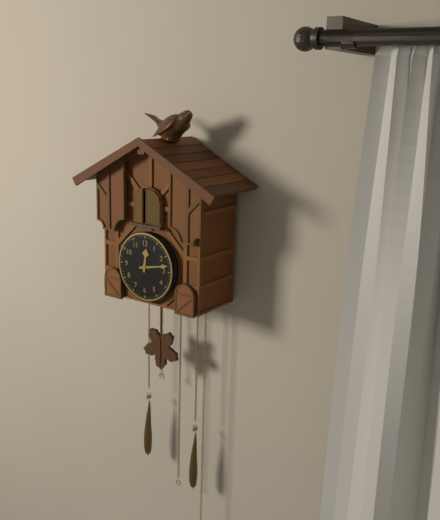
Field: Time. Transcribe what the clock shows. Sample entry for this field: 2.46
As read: 12.13
